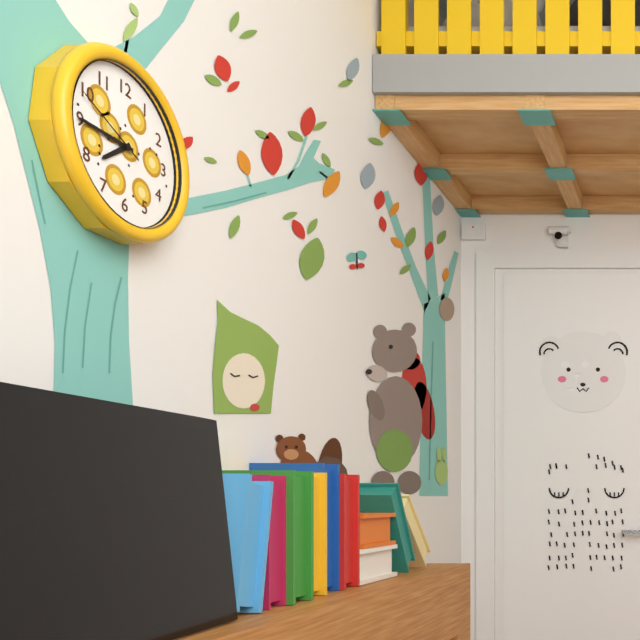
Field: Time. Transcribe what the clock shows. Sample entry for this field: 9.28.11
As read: 7.45.49
